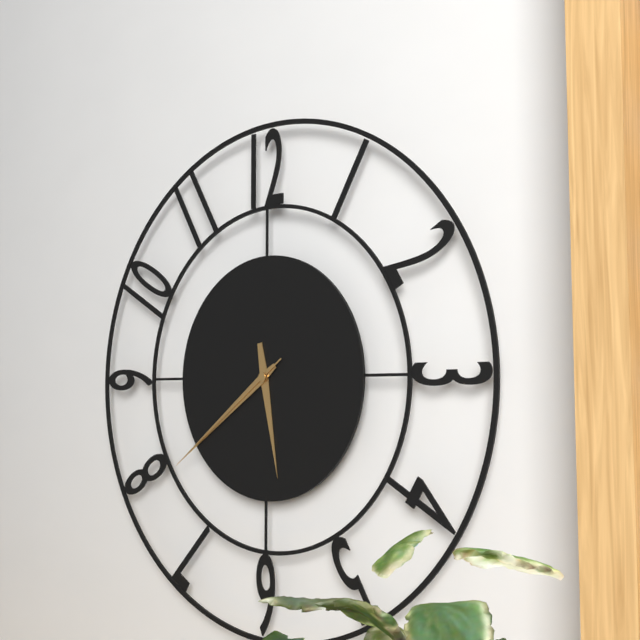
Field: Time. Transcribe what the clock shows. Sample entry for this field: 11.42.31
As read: 5.39.39
